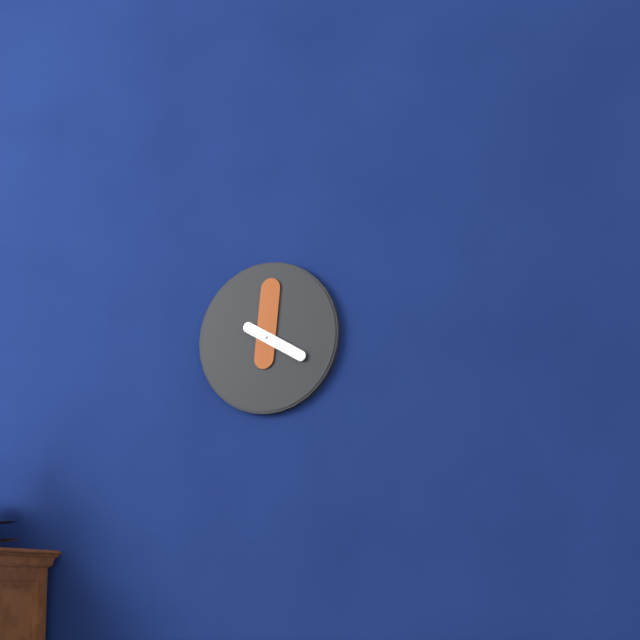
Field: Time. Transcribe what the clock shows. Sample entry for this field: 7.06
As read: 4.01
